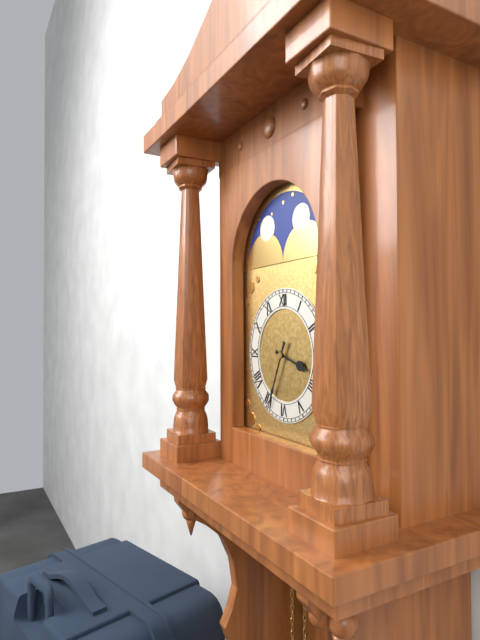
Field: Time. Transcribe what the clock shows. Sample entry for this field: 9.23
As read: 3.34
